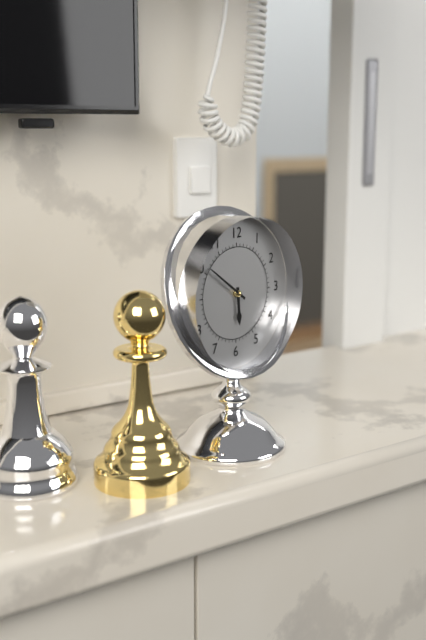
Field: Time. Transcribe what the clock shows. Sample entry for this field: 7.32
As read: 5.51
